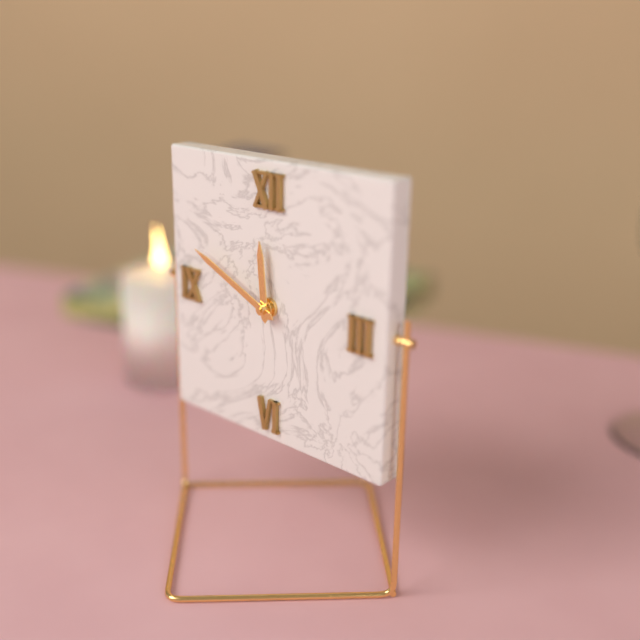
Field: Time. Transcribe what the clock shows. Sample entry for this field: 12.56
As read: 11.49
